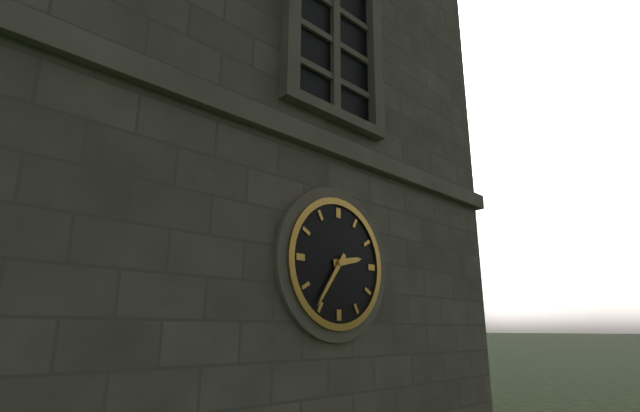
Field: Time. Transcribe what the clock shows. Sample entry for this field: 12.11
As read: 2.36
